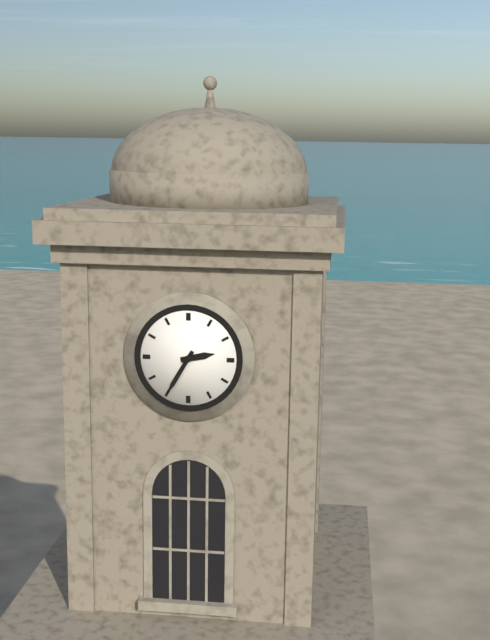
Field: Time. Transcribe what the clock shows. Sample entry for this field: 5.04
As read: 2.35
